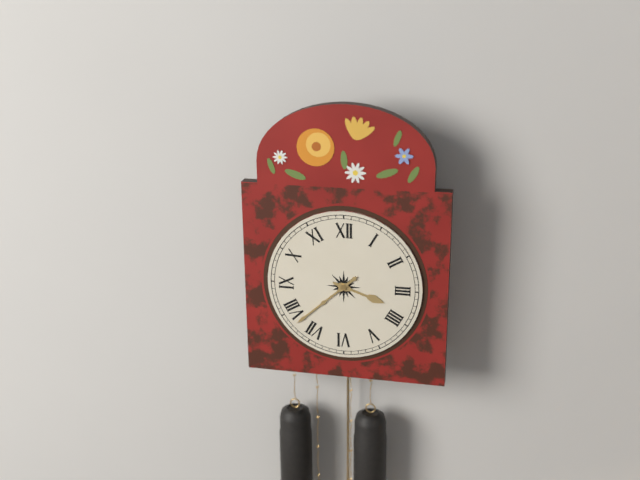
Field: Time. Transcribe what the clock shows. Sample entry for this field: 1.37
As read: 3.38
